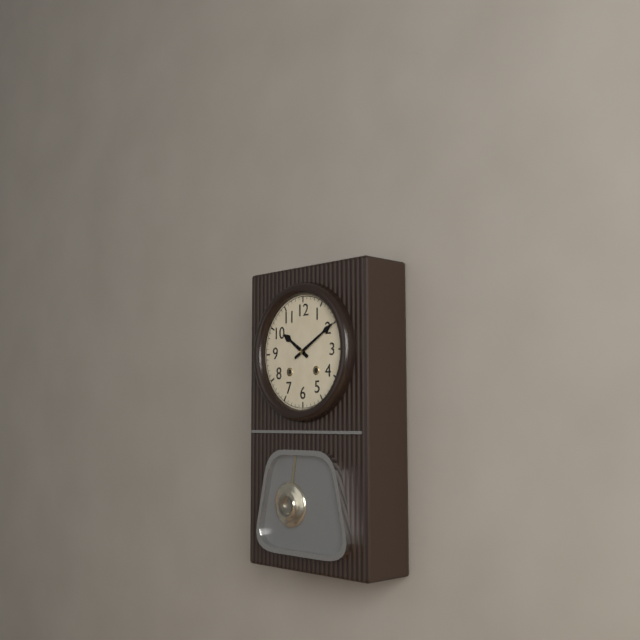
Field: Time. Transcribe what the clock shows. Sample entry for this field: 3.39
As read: 10.10
